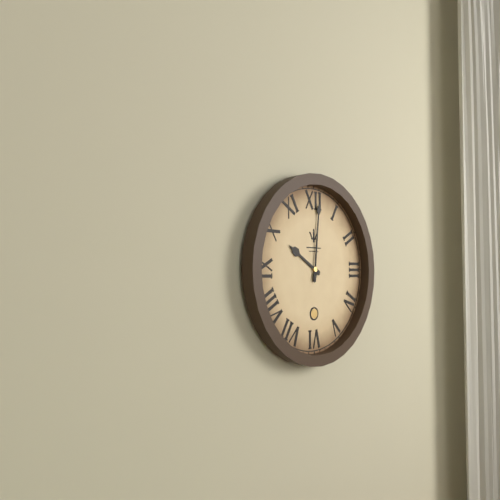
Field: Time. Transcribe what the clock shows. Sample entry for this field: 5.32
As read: 10.01
